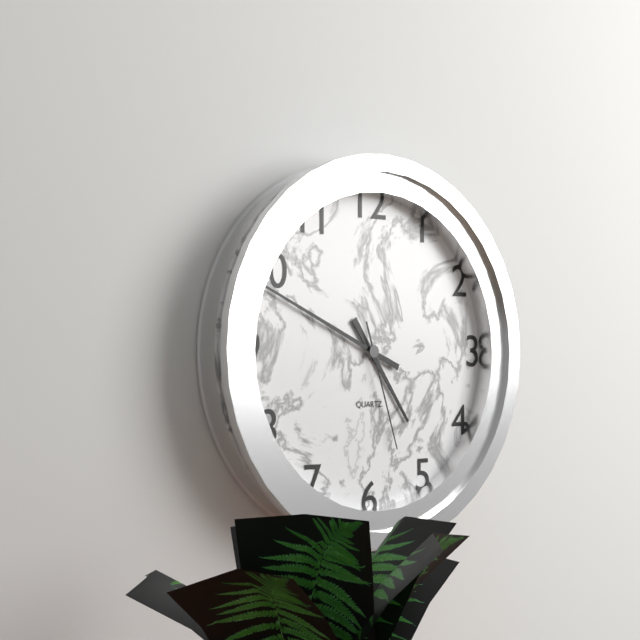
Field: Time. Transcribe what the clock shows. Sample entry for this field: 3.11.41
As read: 4.49.27
